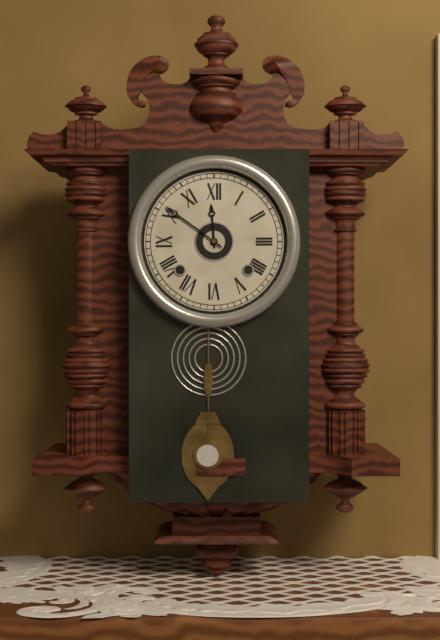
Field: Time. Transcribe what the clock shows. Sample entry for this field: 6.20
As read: 11.51
